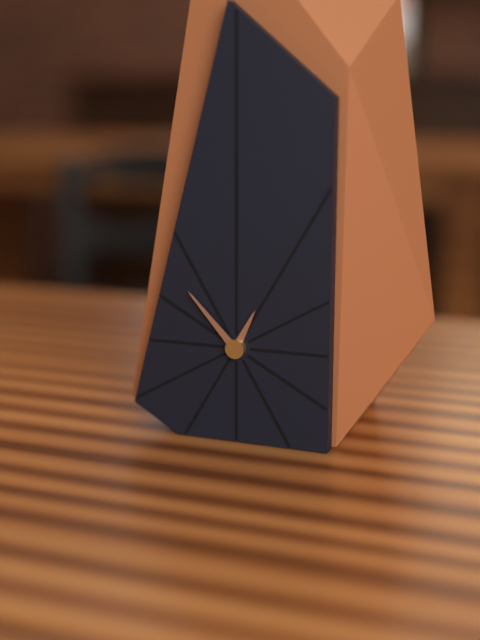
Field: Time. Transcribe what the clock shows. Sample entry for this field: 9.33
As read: 12.53
